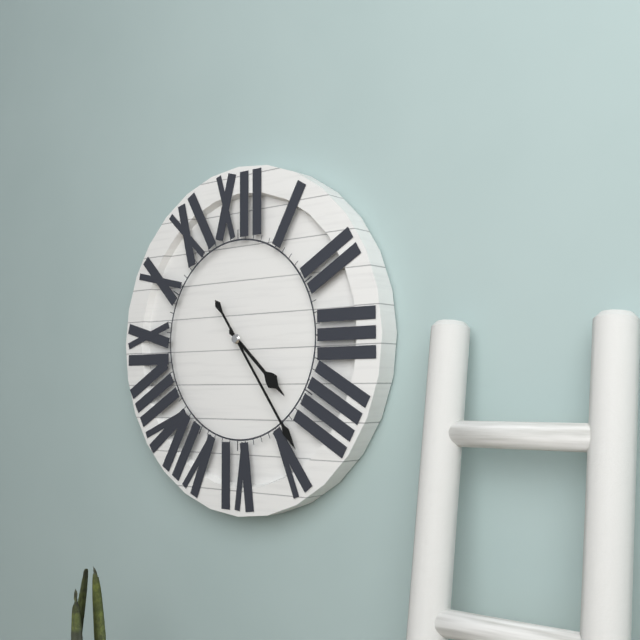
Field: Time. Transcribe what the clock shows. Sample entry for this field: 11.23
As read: 4.24
